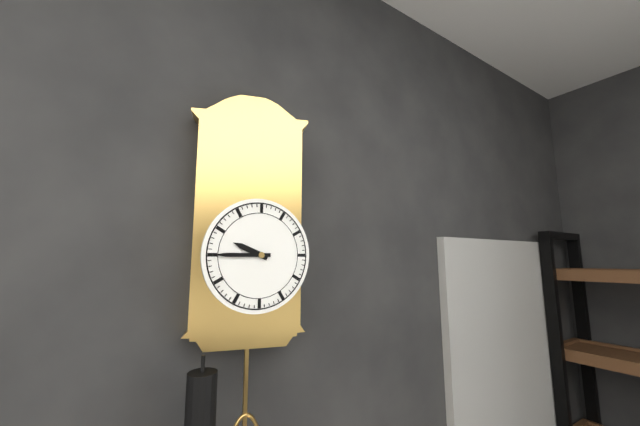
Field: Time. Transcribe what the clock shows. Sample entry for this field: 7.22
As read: 9.45
